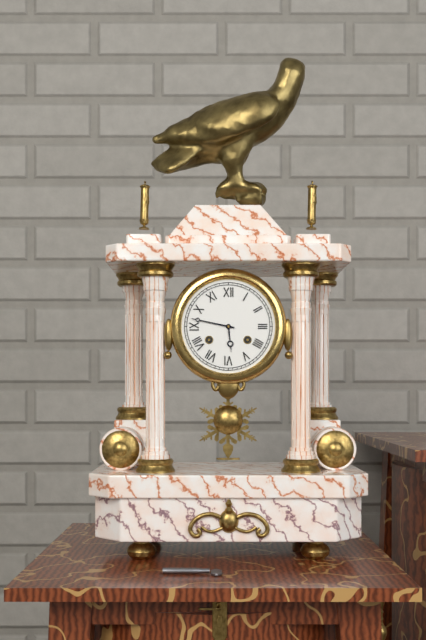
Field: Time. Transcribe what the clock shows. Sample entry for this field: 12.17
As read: 5.47
